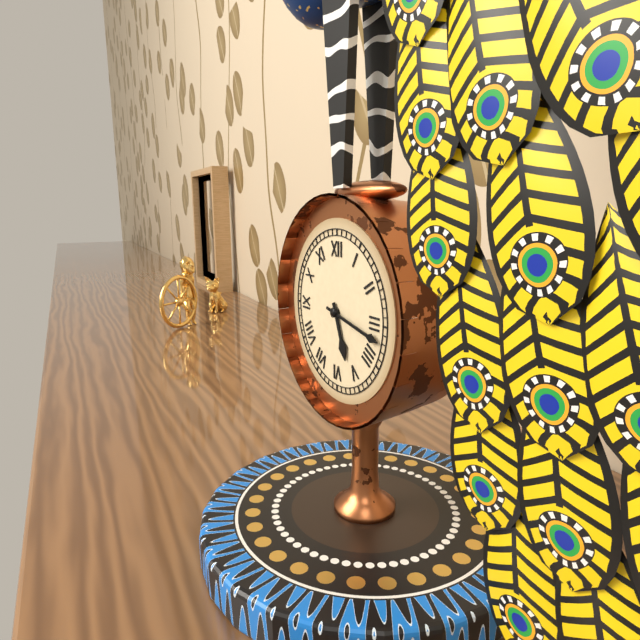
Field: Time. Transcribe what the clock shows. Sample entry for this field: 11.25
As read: 5.17
